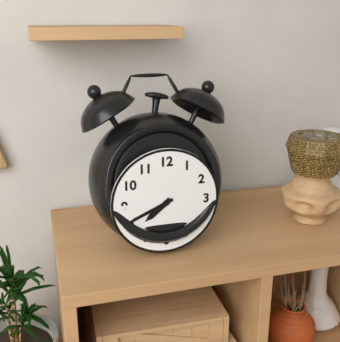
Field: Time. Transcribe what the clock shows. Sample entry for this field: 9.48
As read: 7.41
